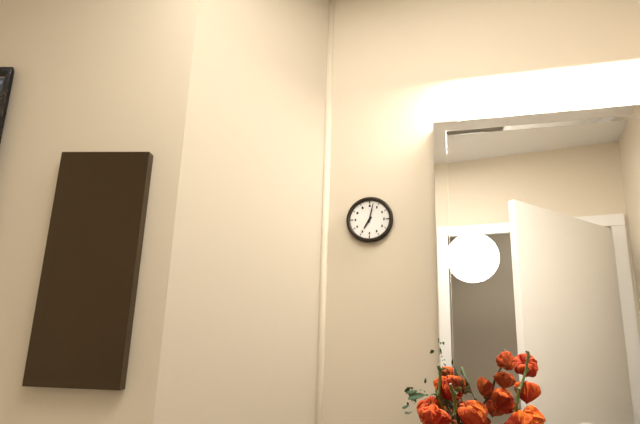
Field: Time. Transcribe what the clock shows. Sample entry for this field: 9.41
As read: 7.02
